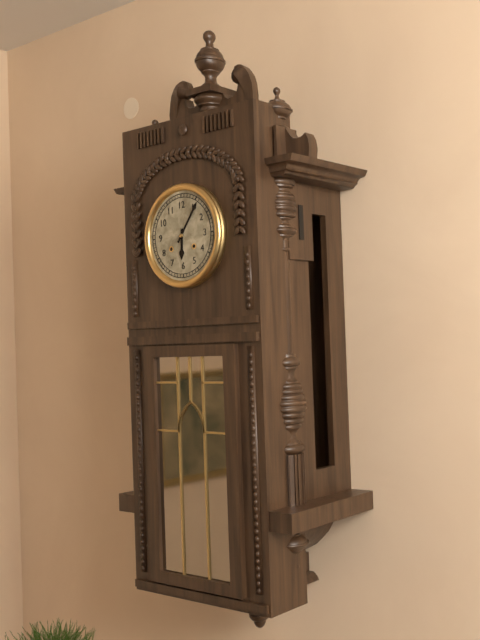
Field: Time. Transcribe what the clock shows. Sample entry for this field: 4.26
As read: 6.06
